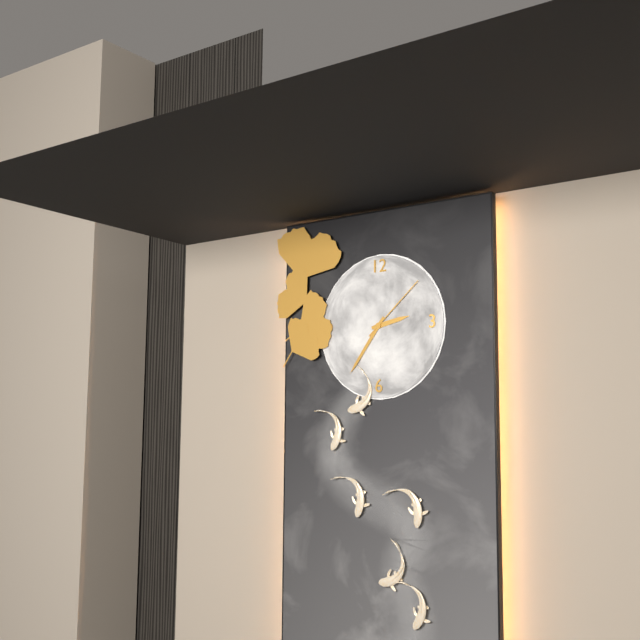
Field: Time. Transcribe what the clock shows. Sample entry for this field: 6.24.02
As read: 2.36.08
